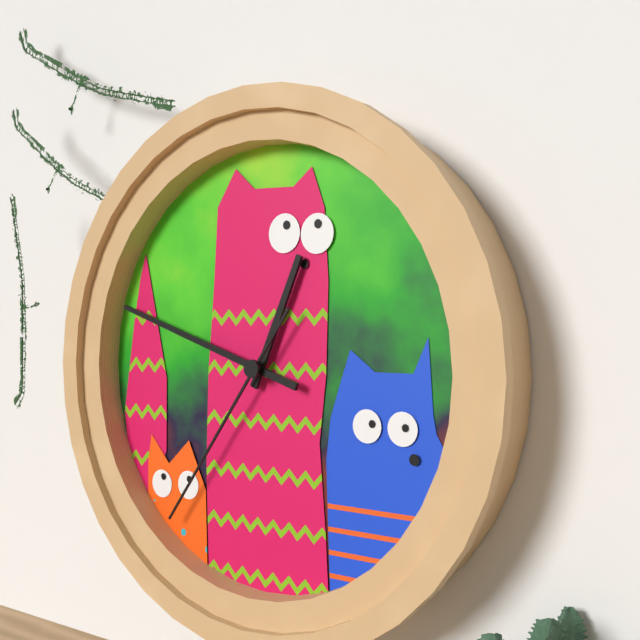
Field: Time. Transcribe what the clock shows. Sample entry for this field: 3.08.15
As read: 12.48.36
